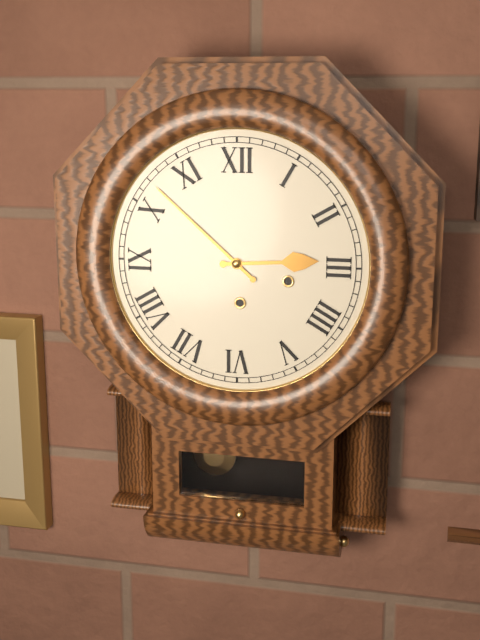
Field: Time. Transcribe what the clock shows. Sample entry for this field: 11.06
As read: 2.52
